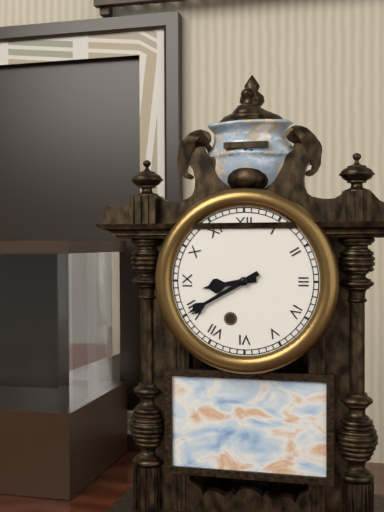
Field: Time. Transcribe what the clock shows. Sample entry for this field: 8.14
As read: 8.40
